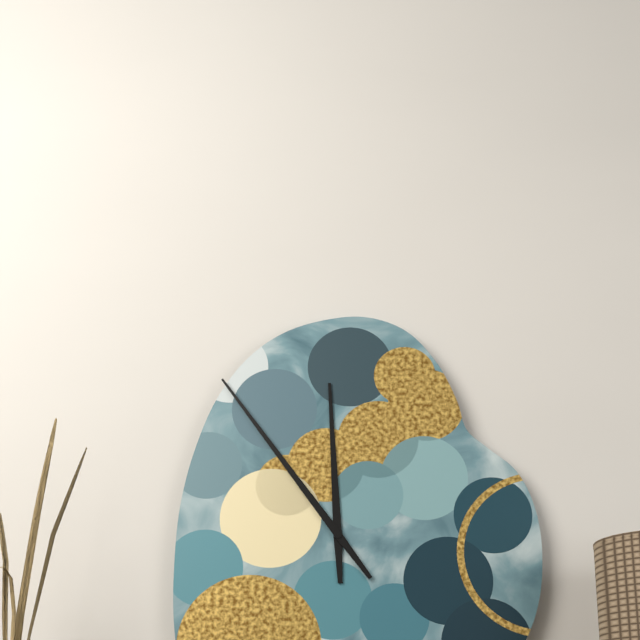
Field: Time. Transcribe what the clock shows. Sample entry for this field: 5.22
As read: 11.54
